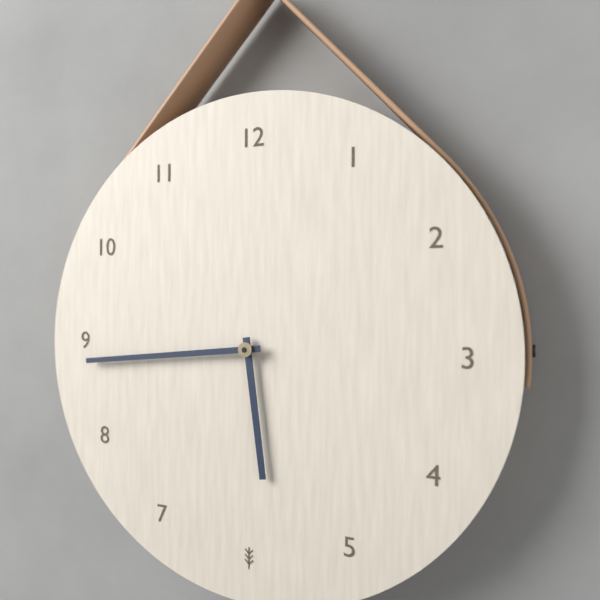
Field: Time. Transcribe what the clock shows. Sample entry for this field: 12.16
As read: 5.44
